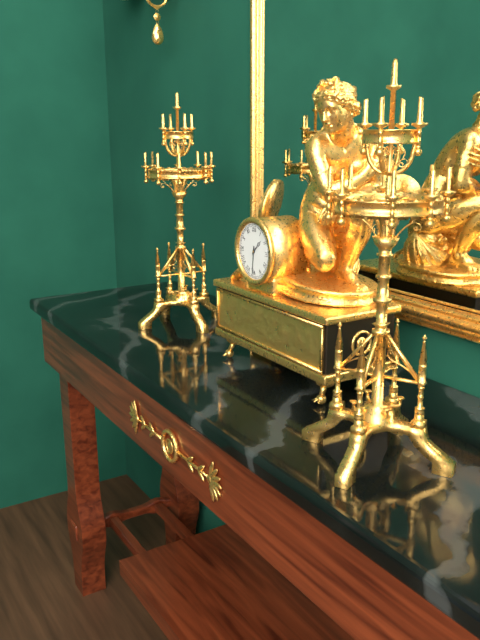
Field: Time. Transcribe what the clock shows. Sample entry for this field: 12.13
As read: 1.31
